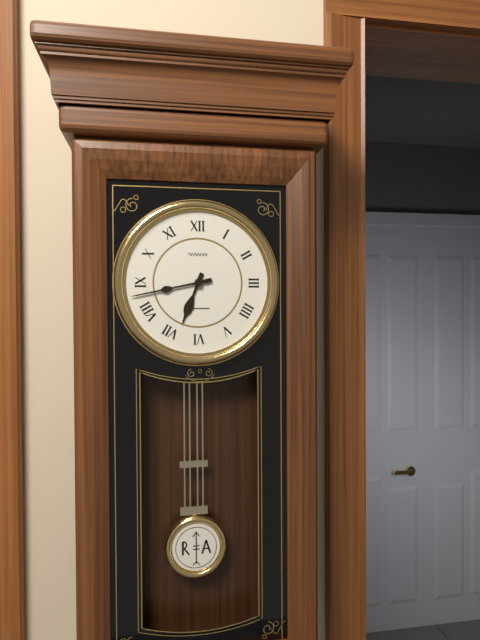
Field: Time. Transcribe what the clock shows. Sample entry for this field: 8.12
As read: 6.43
